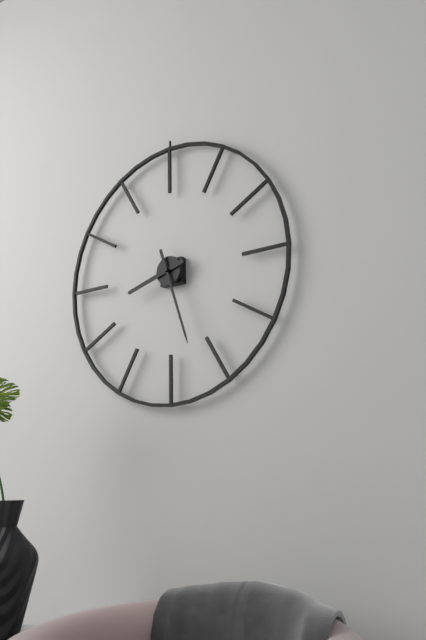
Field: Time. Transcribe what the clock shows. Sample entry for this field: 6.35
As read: 8.27
